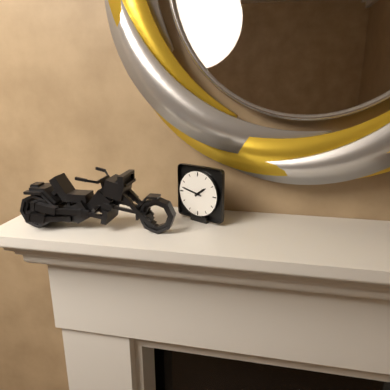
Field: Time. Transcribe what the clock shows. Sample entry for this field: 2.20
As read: 1.47
